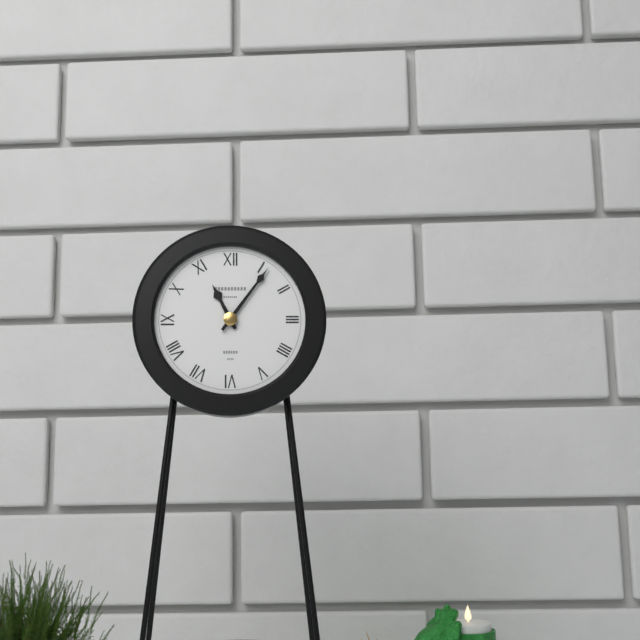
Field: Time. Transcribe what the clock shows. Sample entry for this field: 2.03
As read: 11.06
